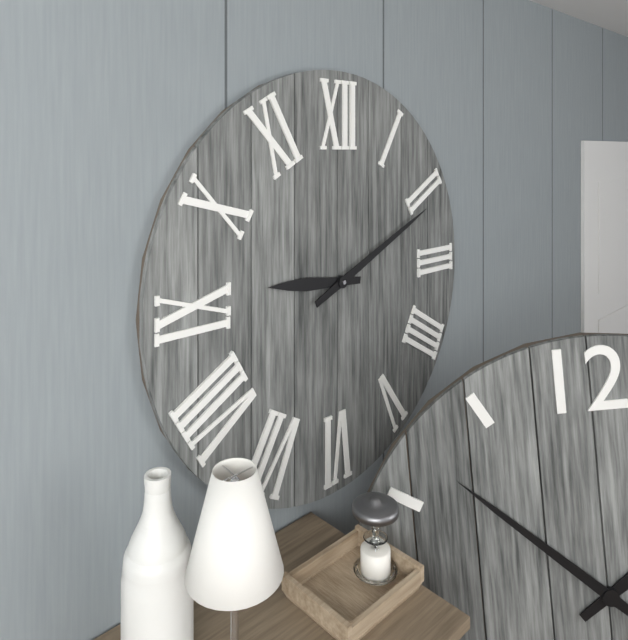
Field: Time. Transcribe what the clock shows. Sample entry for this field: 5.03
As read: 9.11
